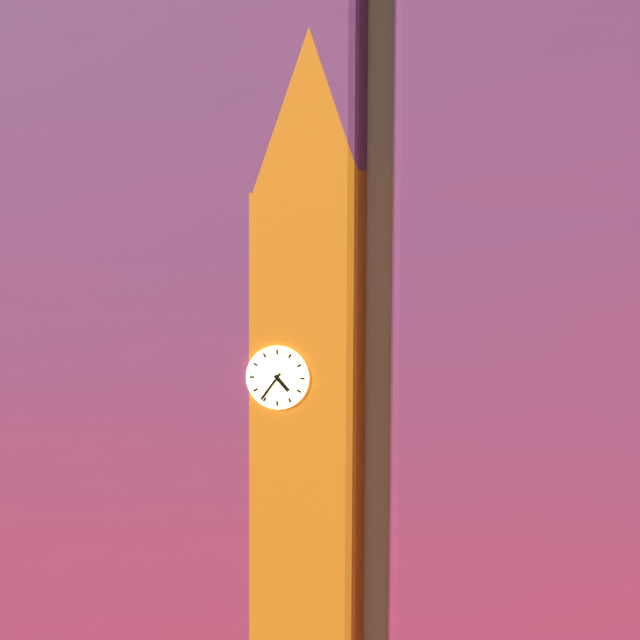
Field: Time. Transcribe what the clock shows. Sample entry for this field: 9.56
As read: 4.36
